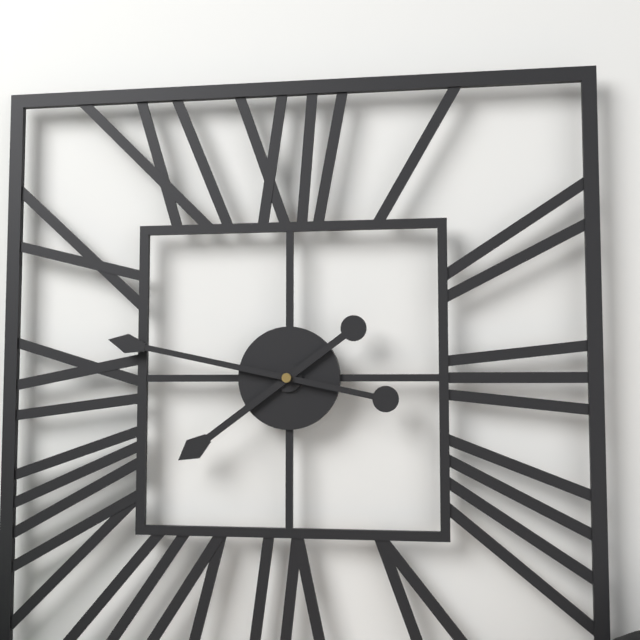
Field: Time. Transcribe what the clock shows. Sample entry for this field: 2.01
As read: 7.47
